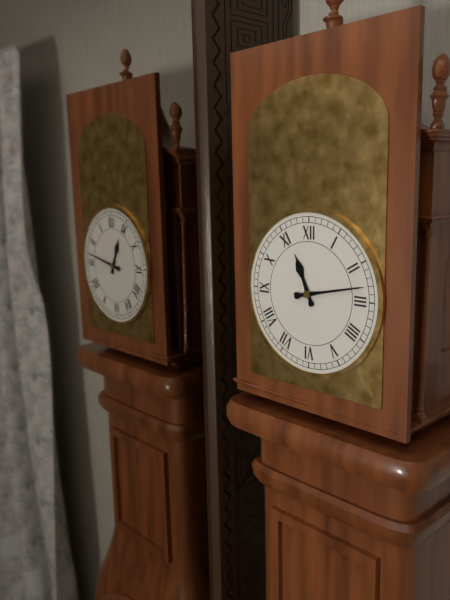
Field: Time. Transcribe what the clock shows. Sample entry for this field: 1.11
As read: 11.13
